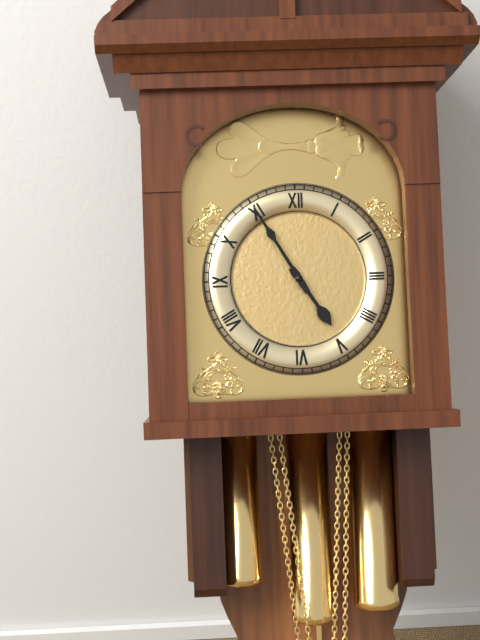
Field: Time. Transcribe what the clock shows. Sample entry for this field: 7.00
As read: 4.55
